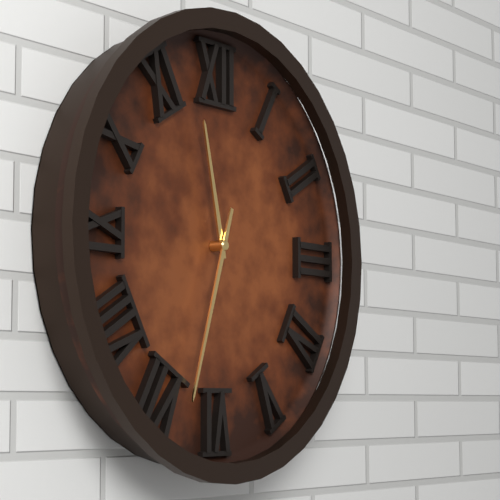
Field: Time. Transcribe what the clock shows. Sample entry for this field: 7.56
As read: 11.33
